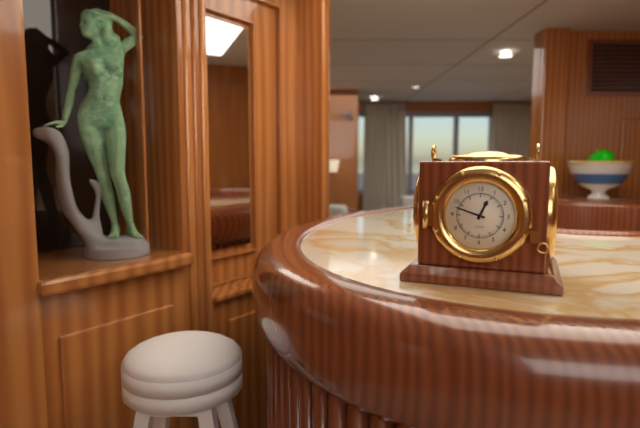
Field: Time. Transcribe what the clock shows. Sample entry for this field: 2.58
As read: 12.48
